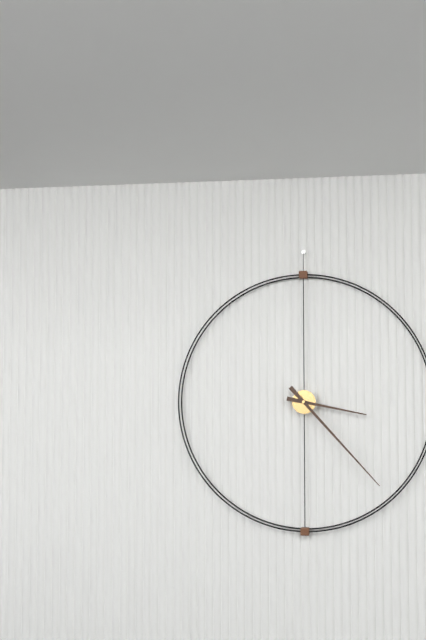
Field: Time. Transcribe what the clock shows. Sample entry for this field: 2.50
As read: 3.23
